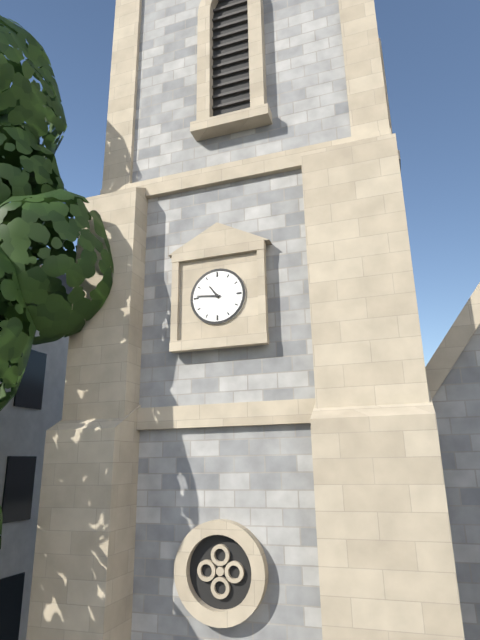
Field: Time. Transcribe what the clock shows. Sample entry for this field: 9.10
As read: 10.46
